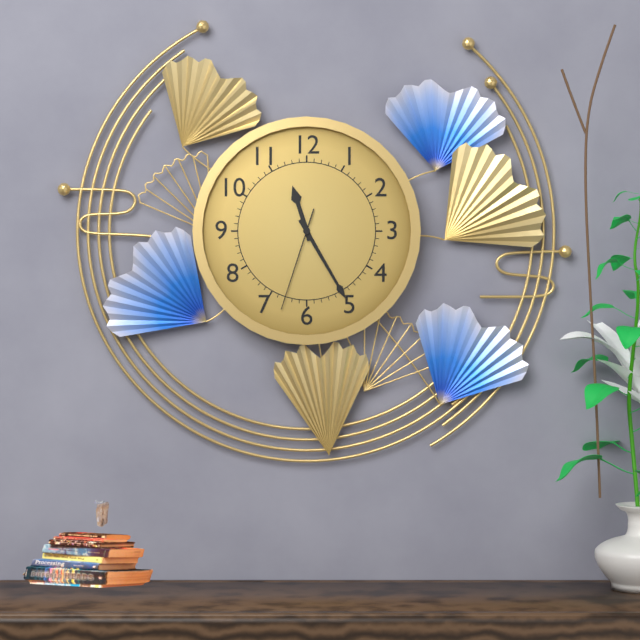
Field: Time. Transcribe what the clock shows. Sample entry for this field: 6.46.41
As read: 11.25.33
